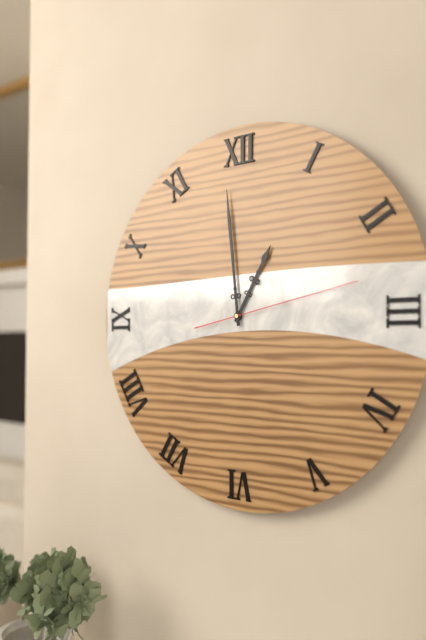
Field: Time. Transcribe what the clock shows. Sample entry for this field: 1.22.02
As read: 12.59.13
